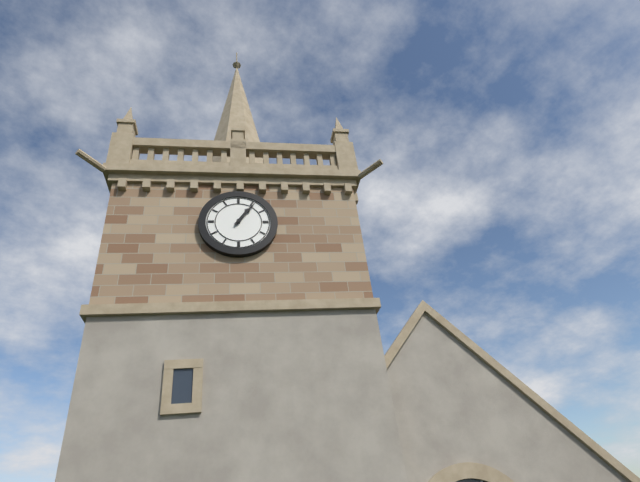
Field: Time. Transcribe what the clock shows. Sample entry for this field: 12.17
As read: 1.06
